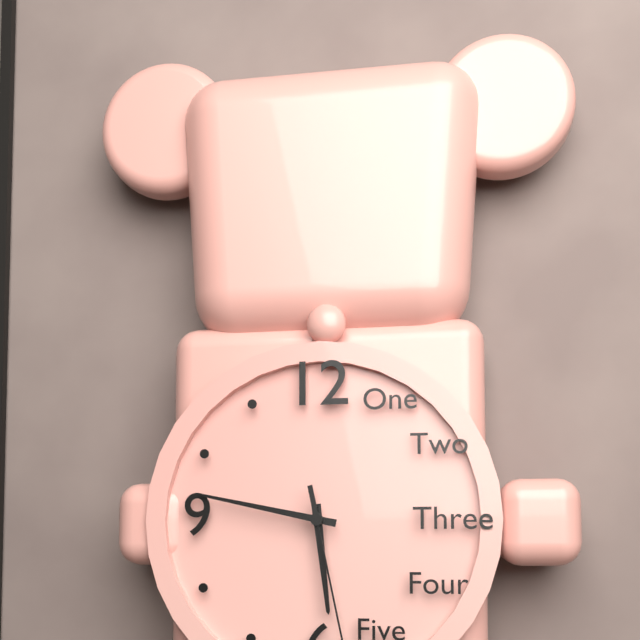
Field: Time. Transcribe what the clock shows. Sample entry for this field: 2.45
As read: 5.47
